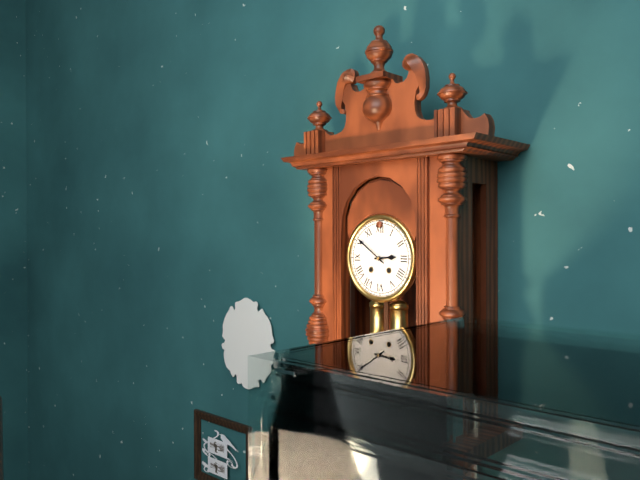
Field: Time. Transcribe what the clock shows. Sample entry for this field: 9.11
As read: 2.51
